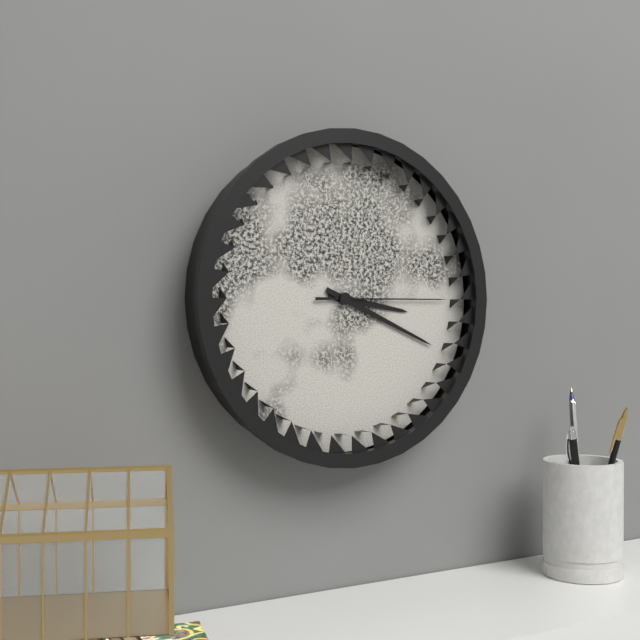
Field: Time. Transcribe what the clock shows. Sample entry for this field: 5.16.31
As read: 3.19.15
